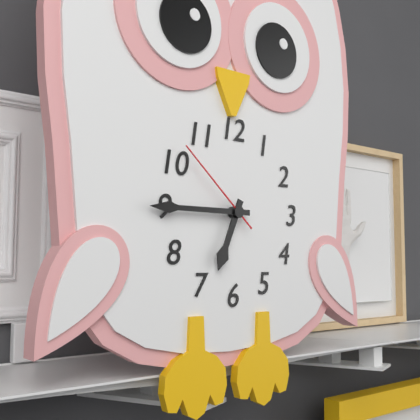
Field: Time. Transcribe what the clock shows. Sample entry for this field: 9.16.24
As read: 6.45.52
